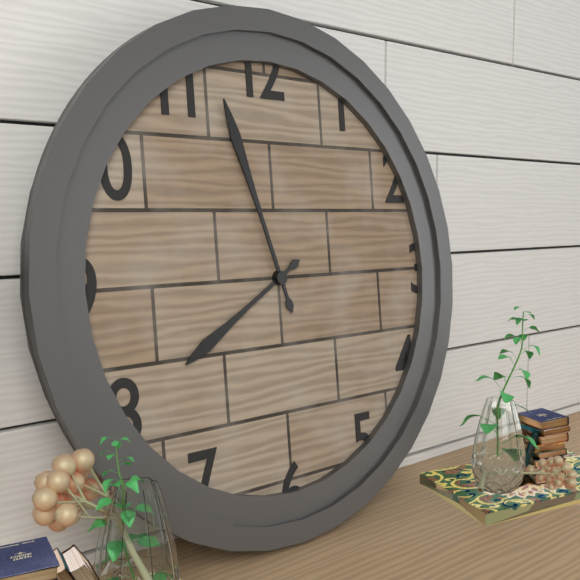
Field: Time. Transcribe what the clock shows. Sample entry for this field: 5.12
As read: 7.57
